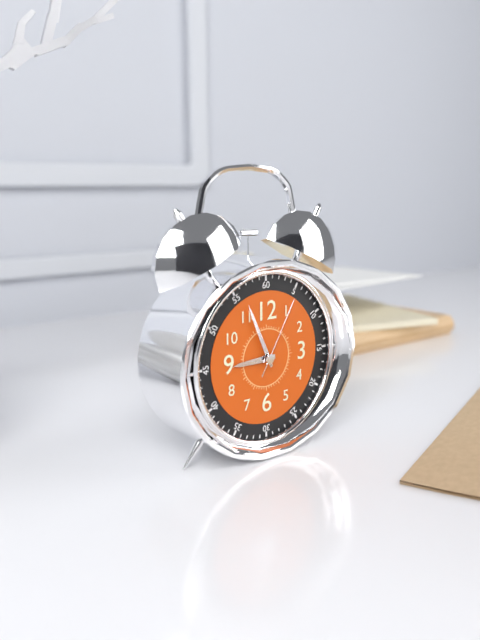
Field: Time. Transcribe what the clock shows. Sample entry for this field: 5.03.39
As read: 8.56.05
